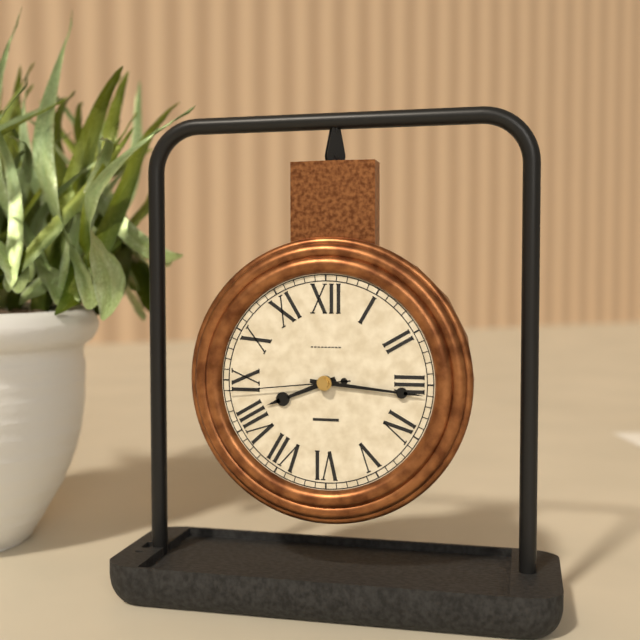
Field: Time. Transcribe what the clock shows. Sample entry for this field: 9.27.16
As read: 8.16.44
